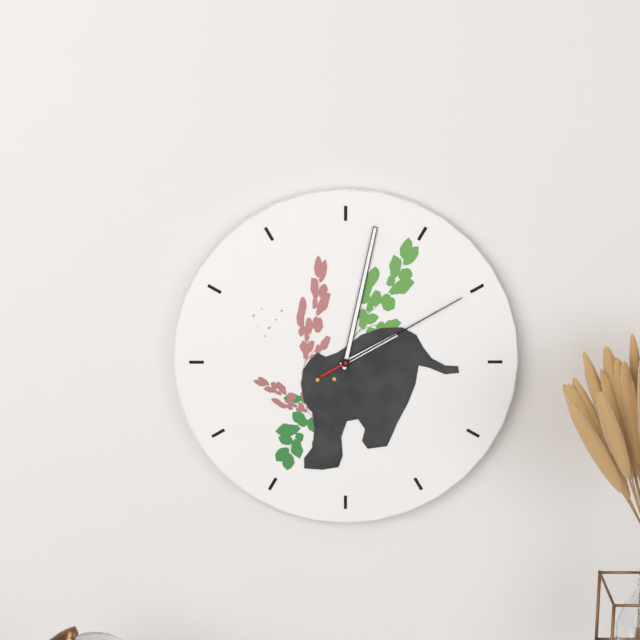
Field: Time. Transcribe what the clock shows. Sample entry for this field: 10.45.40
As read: 2.02.10
